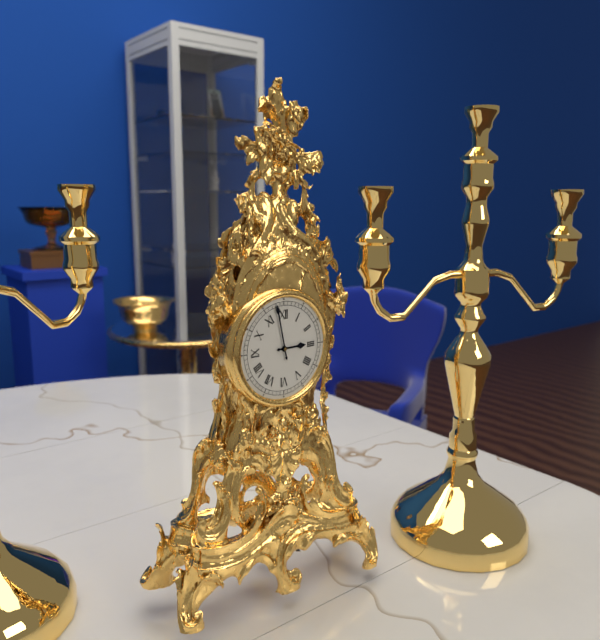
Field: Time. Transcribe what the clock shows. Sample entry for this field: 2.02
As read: 2.58
